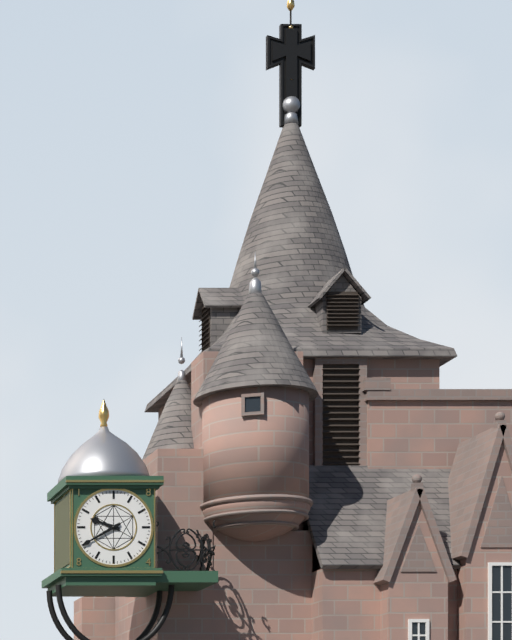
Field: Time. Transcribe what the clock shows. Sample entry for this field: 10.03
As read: 9.40
